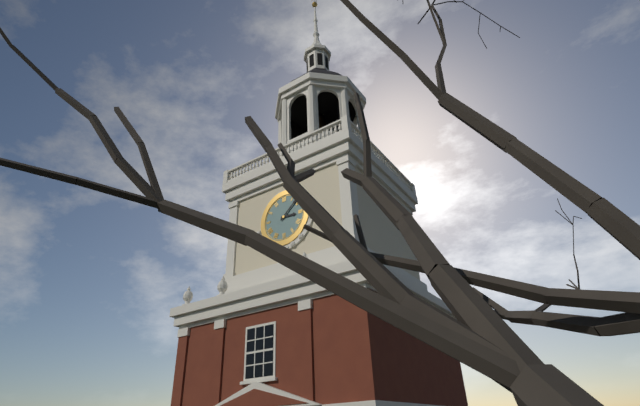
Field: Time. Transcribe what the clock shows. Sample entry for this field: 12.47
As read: 3.08
